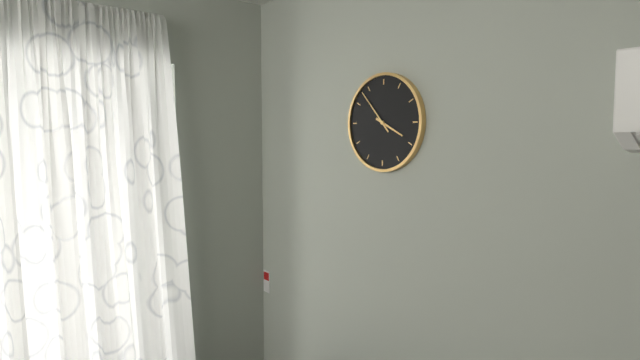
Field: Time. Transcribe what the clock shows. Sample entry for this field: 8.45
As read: 3.53
